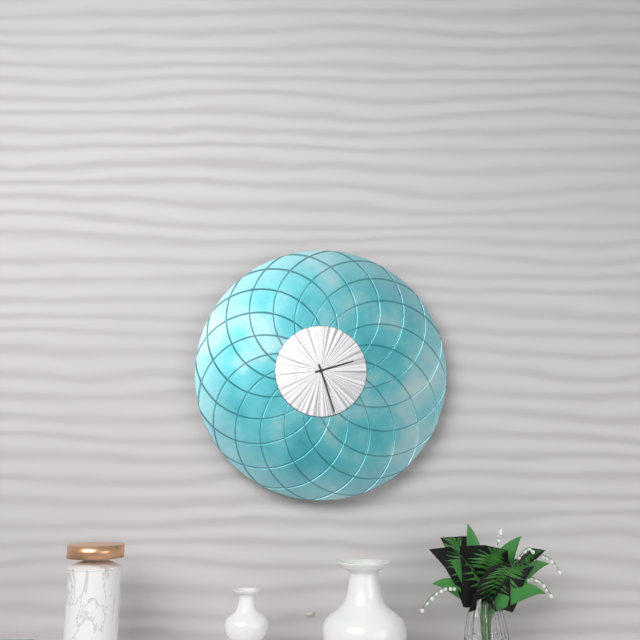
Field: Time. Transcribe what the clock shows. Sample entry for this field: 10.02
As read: 2.27
